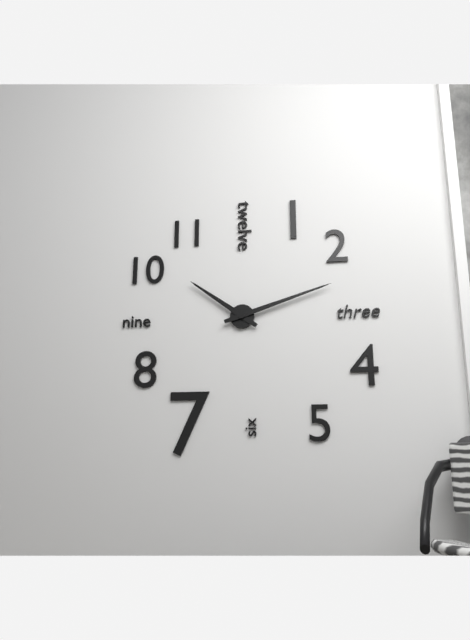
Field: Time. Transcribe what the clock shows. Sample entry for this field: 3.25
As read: 10.12
